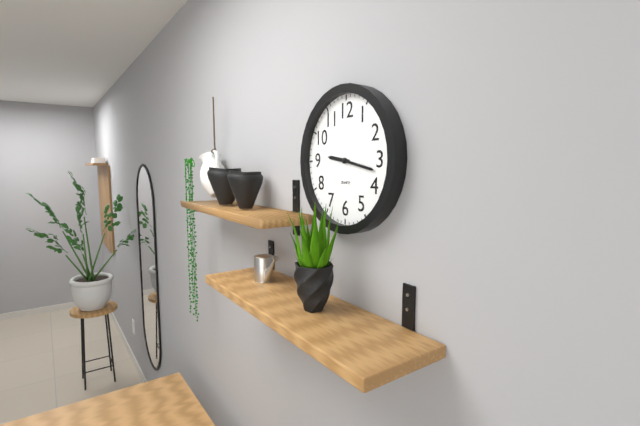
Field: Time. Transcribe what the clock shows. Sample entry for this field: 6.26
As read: 9.17
